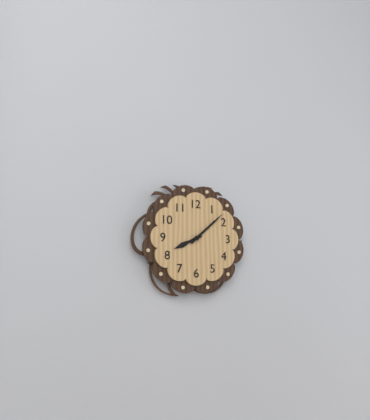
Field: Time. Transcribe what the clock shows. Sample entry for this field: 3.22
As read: 8.08
